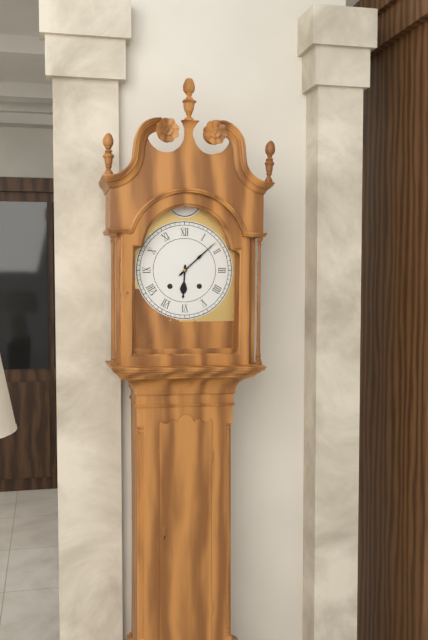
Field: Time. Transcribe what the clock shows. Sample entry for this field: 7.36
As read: 6.08
